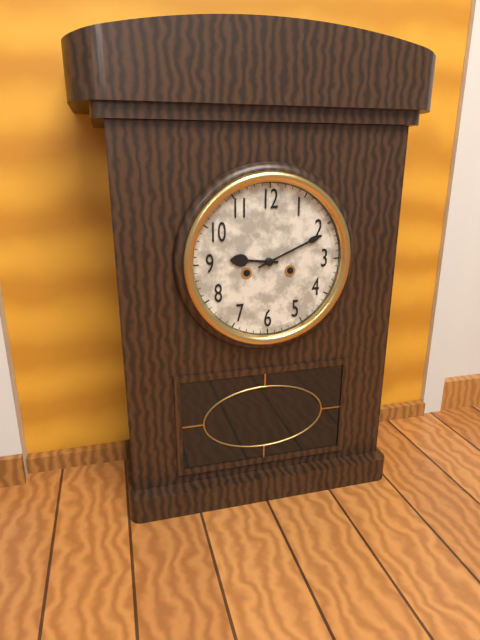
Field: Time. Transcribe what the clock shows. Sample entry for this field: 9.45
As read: 9.11
